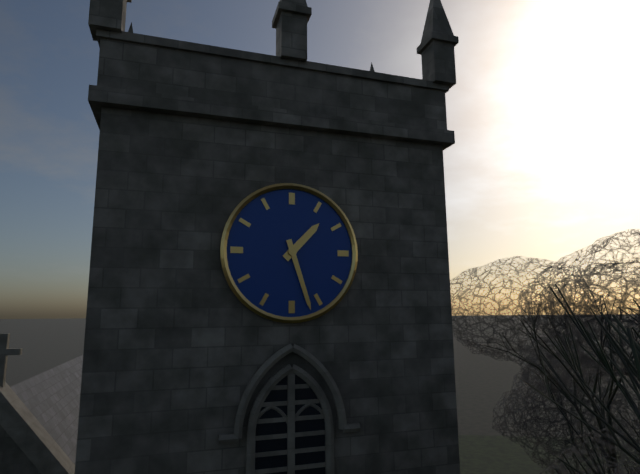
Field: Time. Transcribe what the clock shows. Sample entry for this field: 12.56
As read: 1.27
